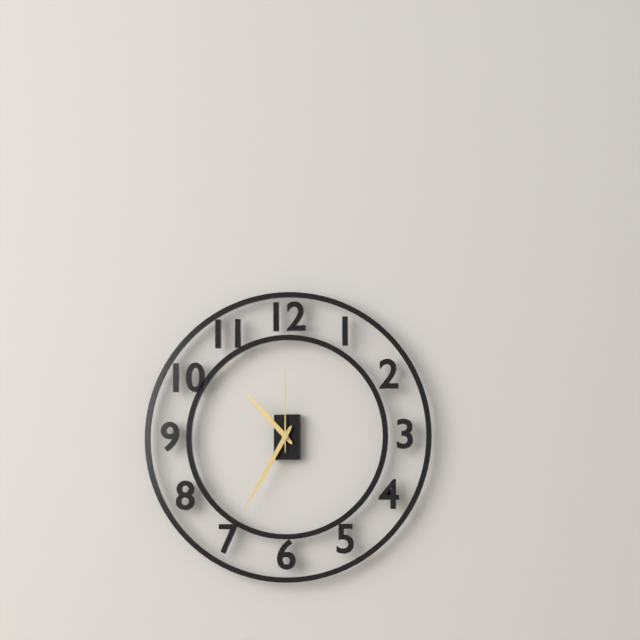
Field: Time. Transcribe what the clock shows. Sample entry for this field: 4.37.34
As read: 10.35.00
